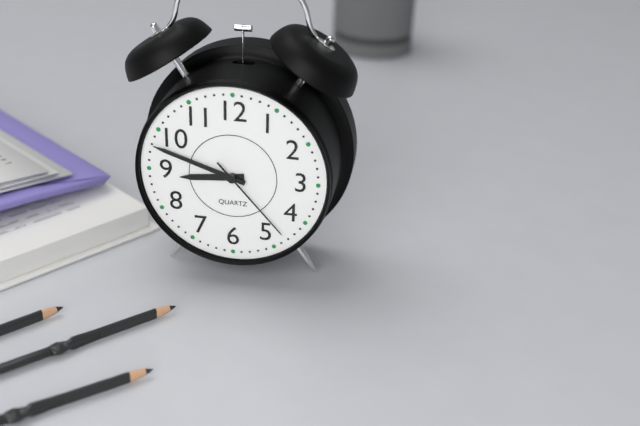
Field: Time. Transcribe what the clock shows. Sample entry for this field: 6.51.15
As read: 8.48.23
